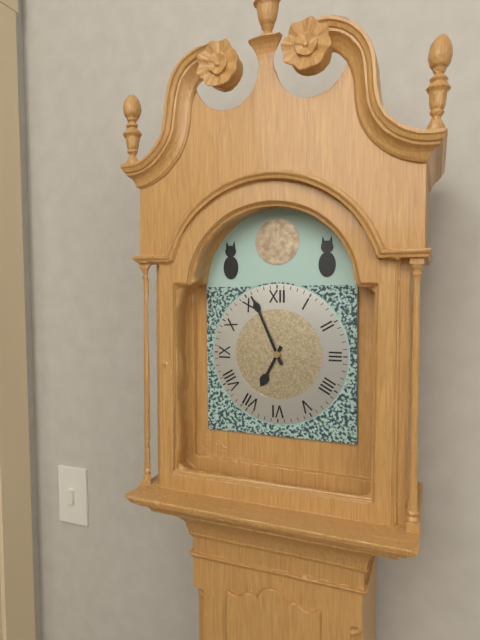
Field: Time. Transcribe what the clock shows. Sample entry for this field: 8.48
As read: 6.56
